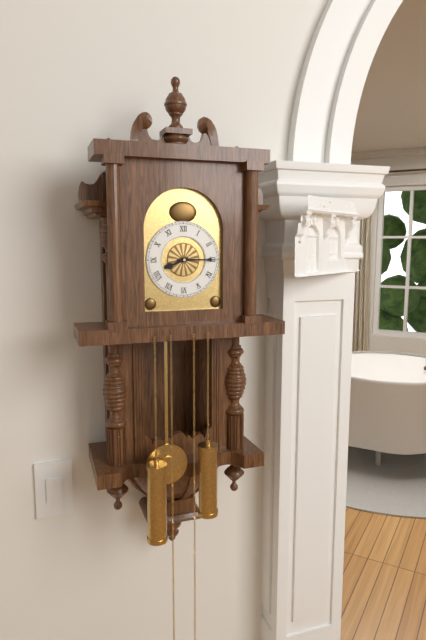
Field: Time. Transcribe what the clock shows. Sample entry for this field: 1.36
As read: 8.15
